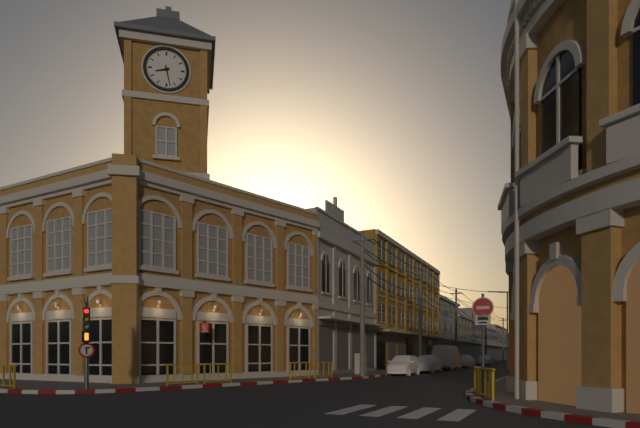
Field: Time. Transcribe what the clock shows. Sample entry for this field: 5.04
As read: 8.28
